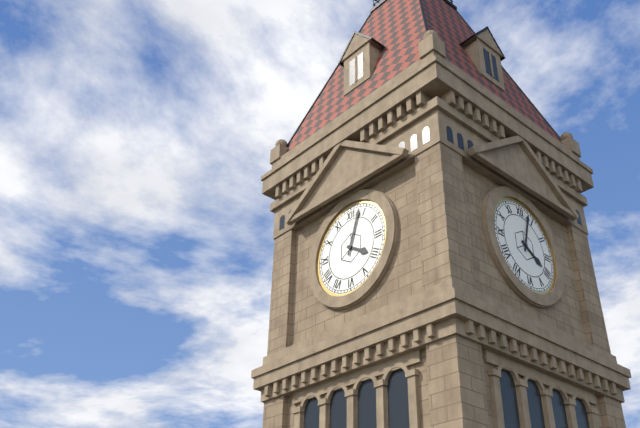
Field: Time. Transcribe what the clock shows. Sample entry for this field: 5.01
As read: 4.03
